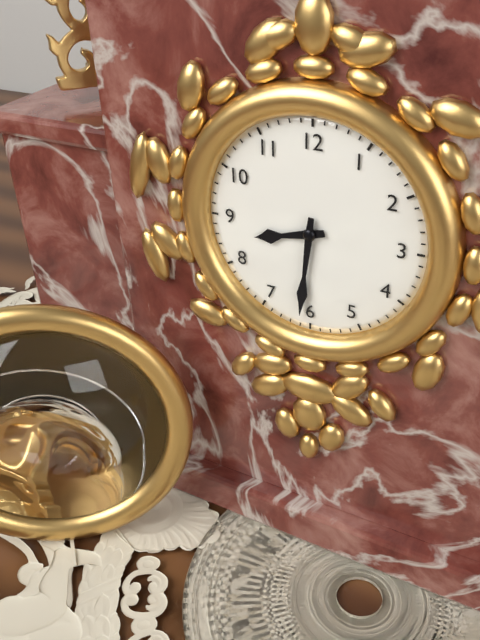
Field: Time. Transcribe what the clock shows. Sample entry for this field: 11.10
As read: 8.31
